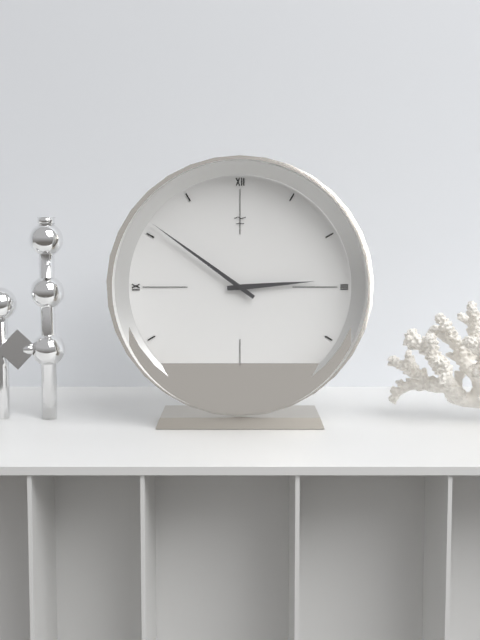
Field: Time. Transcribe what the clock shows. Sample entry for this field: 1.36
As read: 2.51
